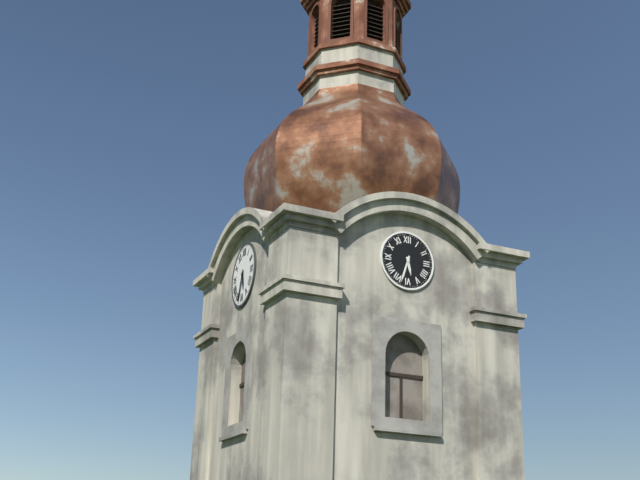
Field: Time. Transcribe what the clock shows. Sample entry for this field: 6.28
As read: 5.33
